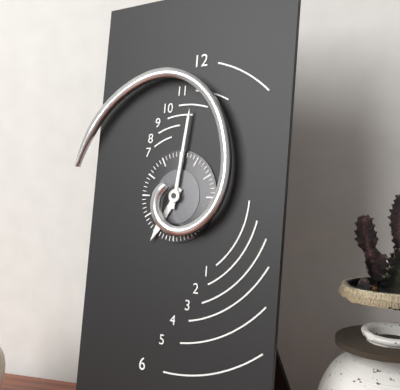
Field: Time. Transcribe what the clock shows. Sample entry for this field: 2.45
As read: 7.01
